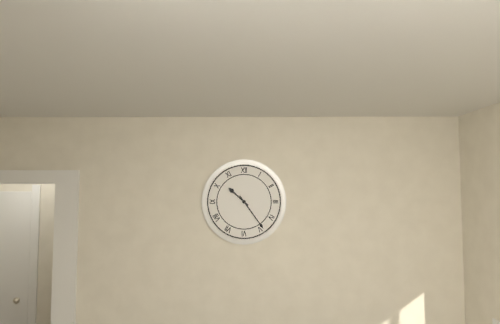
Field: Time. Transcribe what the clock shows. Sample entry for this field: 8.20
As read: 10.24
